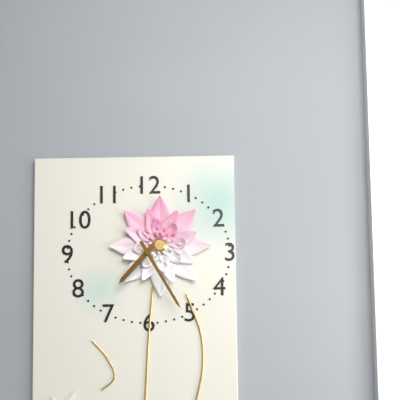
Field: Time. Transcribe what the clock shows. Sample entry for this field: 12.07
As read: 7.25
